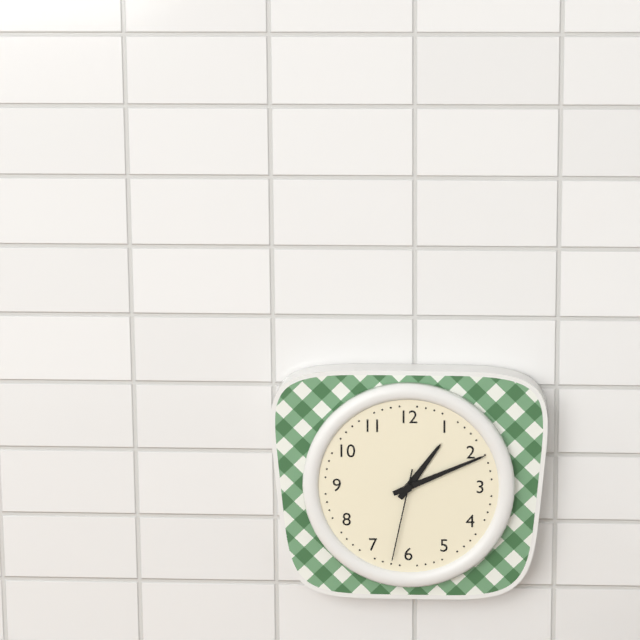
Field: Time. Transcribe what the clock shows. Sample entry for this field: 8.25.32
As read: 1.11.32
